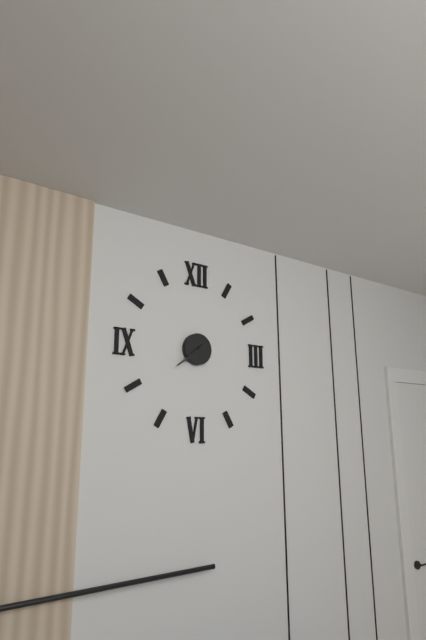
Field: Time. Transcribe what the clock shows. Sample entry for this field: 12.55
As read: 7.39
